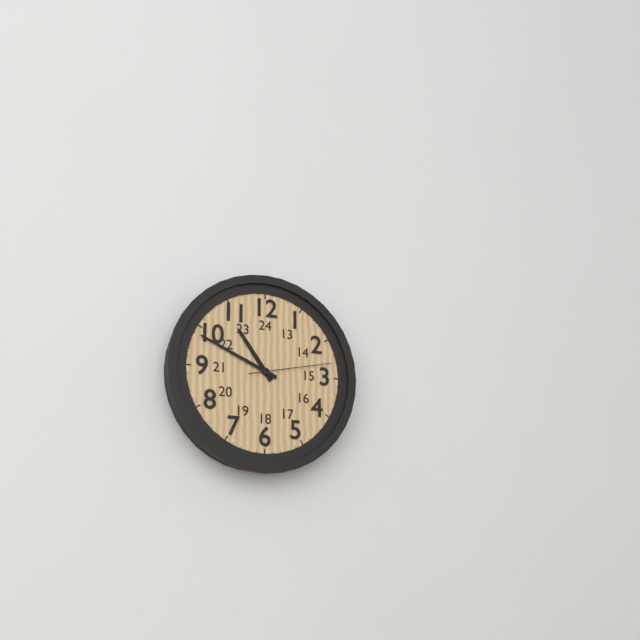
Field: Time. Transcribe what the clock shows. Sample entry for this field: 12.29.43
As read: 10.49.13
